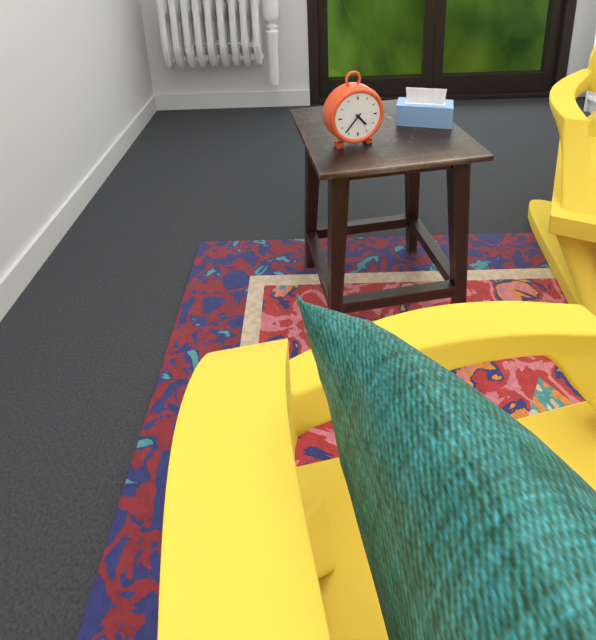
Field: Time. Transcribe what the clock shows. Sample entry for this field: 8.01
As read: 4.37
